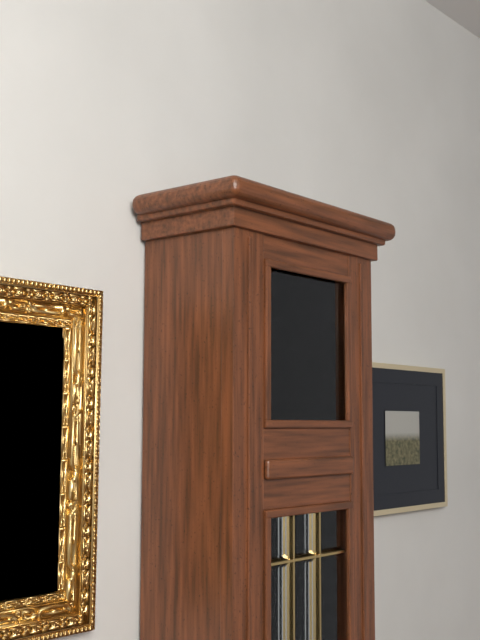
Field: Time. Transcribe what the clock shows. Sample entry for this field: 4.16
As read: 4.26
